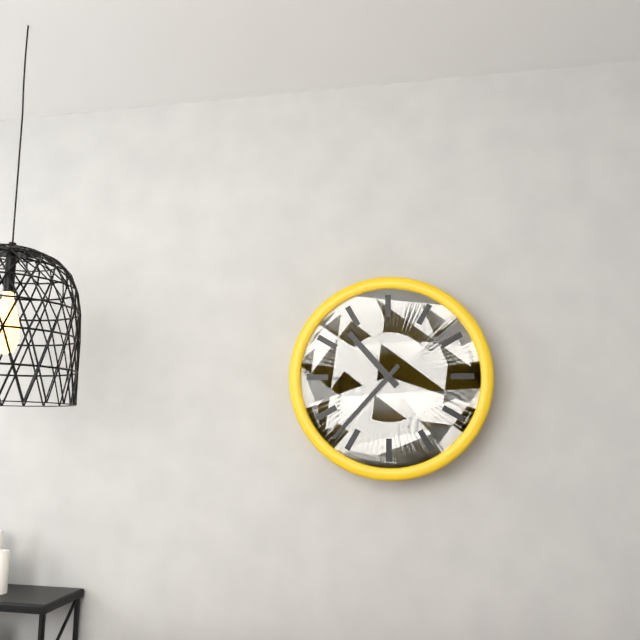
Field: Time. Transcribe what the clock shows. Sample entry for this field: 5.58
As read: 10.37
